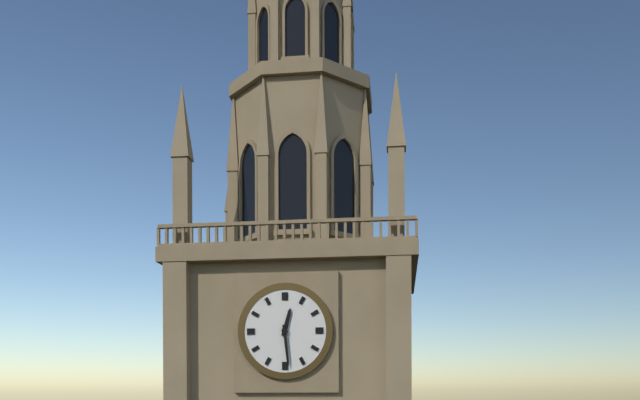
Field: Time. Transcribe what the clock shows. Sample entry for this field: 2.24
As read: 12.29
